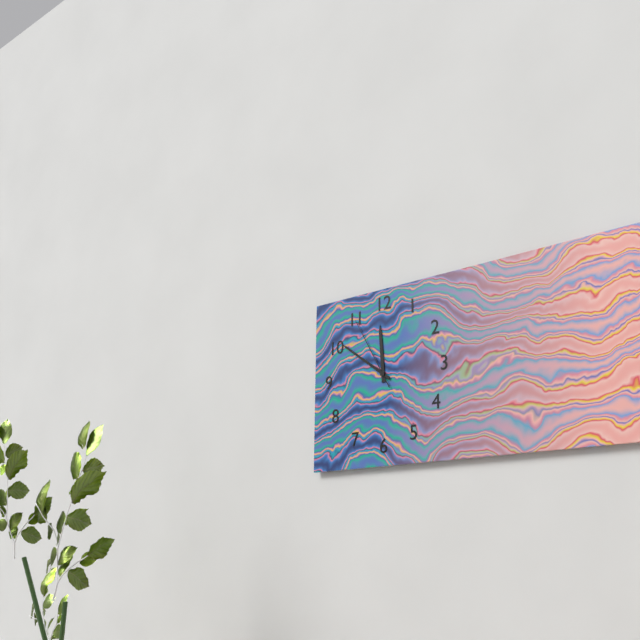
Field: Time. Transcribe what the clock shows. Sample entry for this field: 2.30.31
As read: 11.51.55
